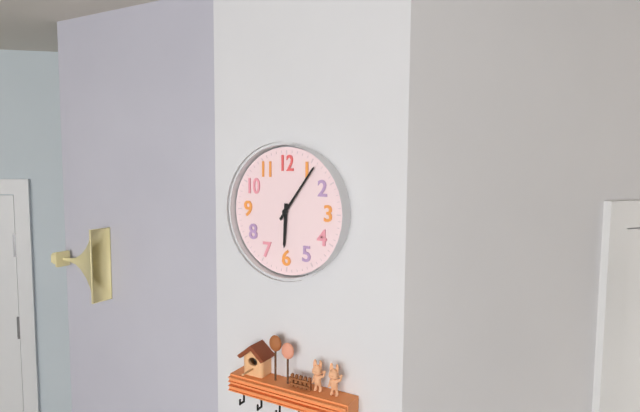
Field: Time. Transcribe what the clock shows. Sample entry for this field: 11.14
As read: 6.06
